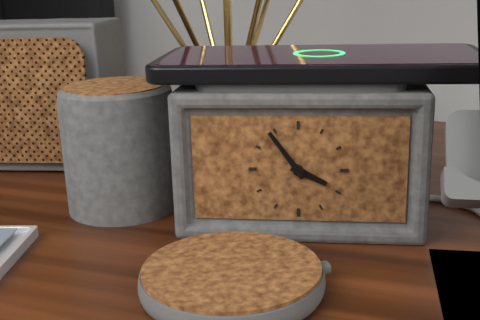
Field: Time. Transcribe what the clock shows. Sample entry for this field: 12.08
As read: 3.54
